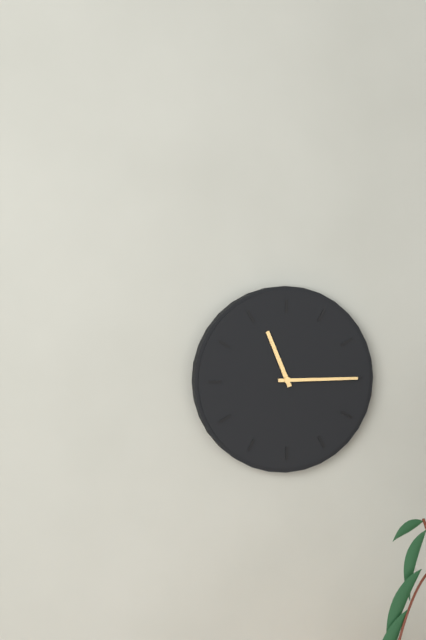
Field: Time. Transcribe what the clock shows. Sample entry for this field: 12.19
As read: 11.15
